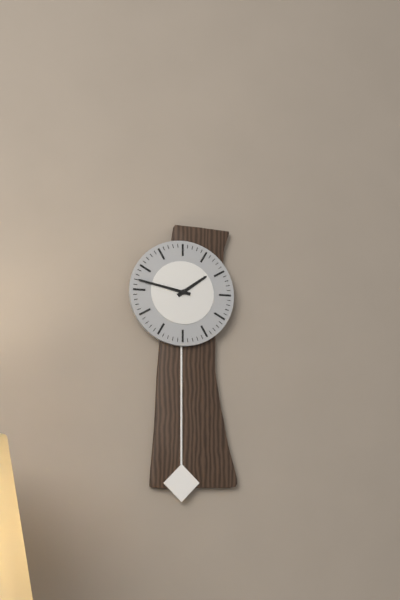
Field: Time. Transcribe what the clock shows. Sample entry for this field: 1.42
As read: 1.47
